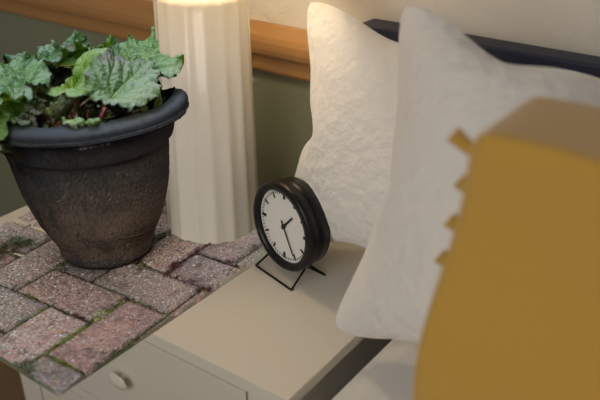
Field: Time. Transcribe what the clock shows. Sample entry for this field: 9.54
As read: 1.25
